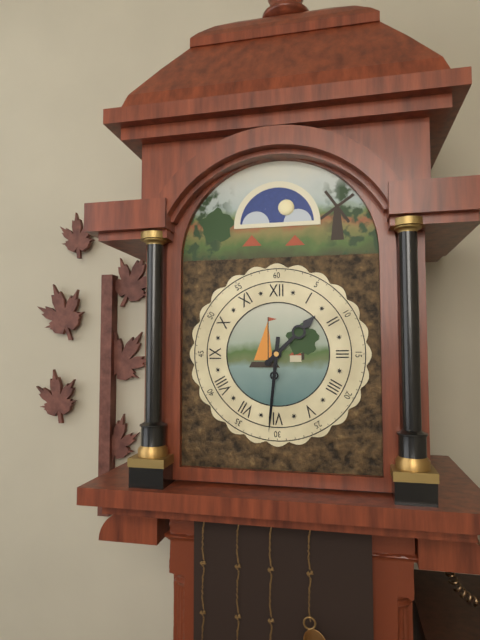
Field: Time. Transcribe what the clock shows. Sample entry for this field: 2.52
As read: 1.31
